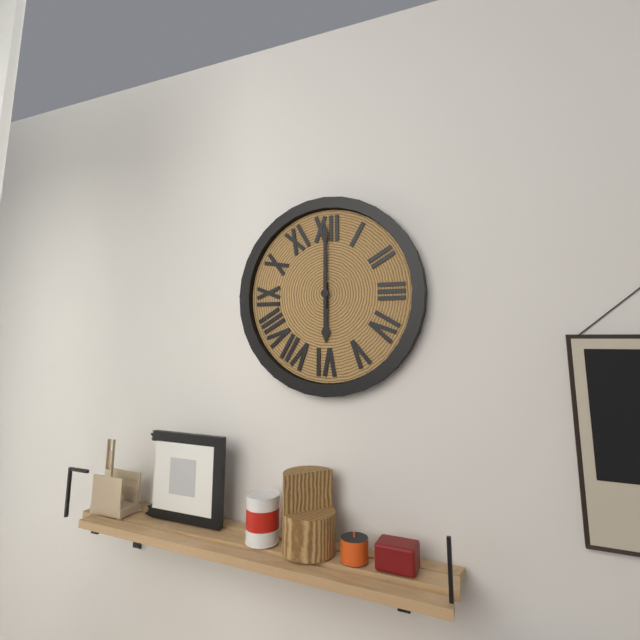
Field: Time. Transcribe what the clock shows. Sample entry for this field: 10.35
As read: 6.00
